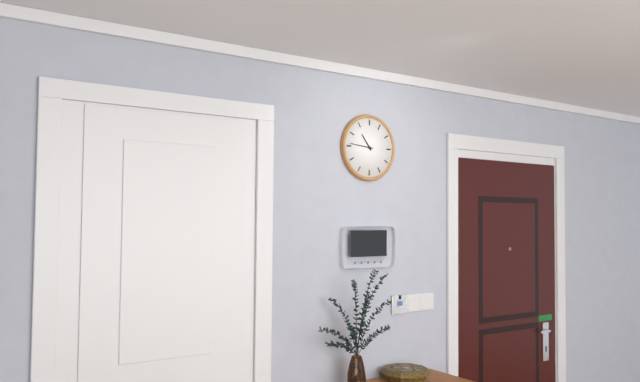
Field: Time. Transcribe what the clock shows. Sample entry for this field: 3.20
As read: 10.46
